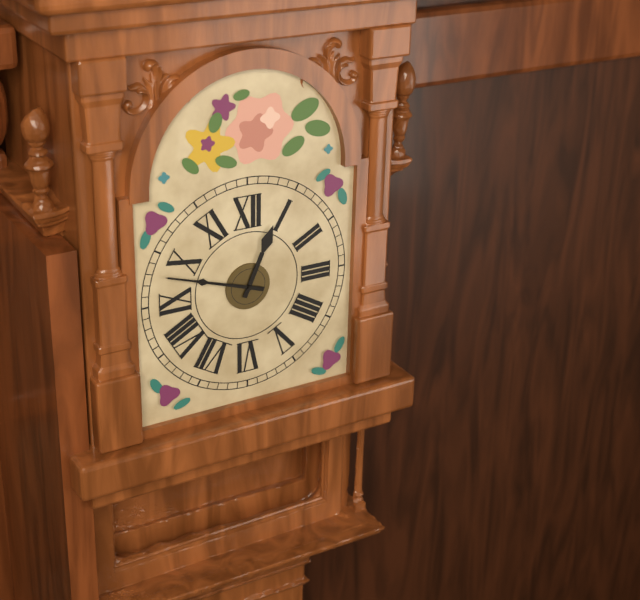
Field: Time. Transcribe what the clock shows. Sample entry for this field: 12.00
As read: 12.48
